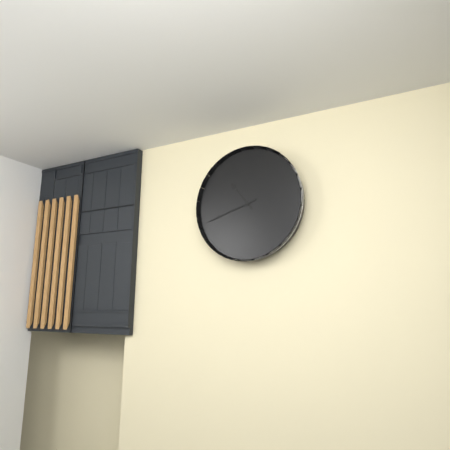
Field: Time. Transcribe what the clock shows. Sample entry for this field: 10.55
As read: 10.42
